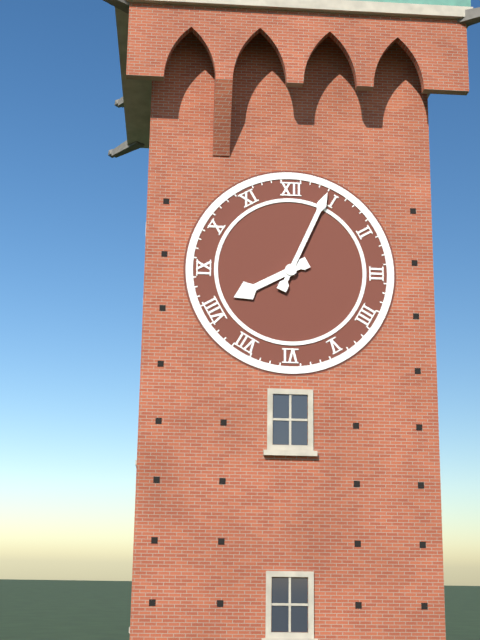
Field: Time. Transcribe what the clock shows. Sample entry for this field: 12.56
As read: 8.04
